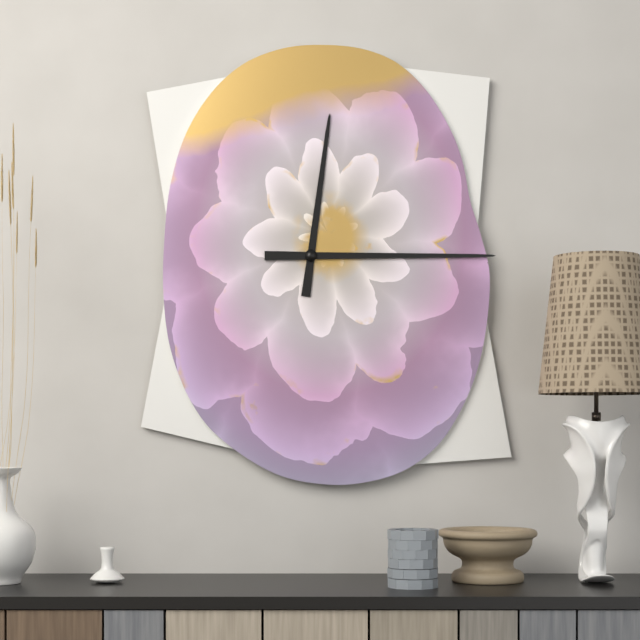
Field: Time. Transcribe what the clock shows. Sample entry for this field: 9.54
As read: 12.15
